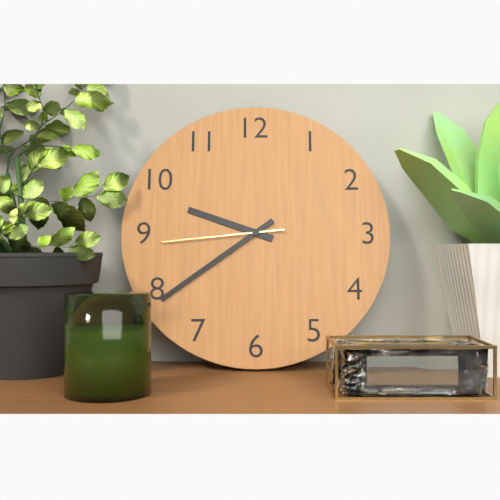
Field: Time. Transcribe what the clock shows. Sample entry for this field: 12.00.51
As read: 9.39.44
